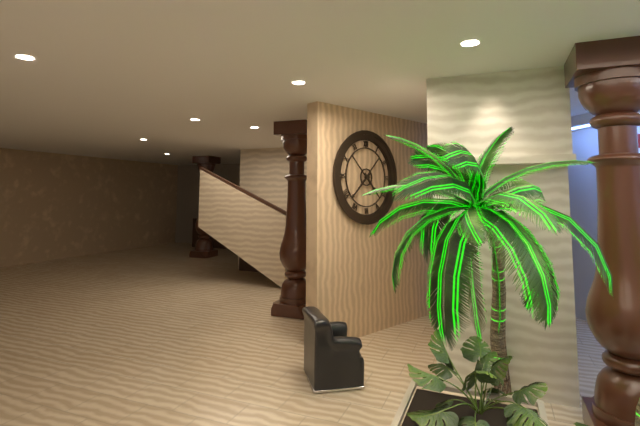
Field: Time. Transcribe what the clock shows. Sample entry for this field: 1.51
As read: 4.38
